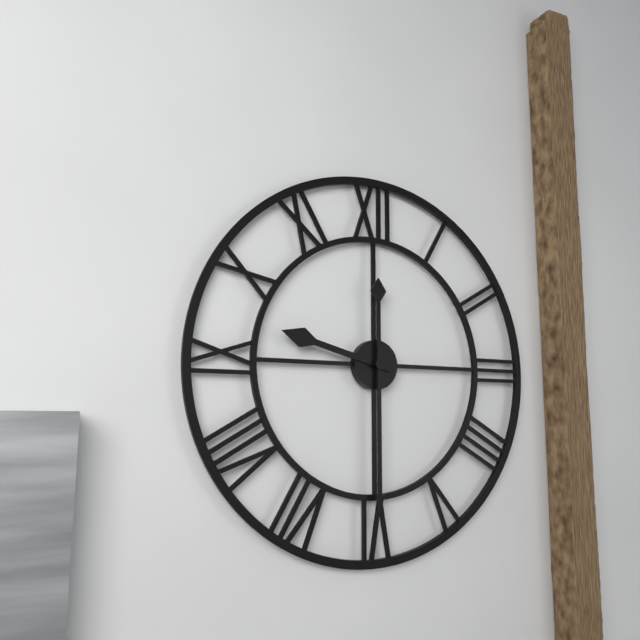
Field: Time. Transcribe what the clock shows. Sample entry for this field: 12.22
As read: 9.30
